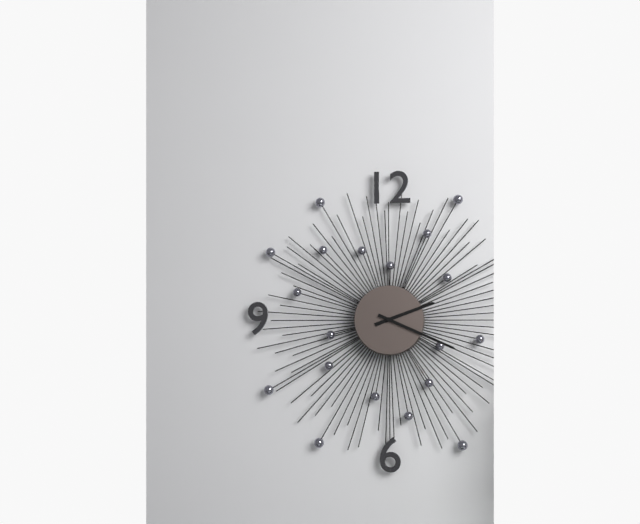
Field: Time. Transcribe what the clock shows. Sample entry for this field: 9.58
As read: 2.19
